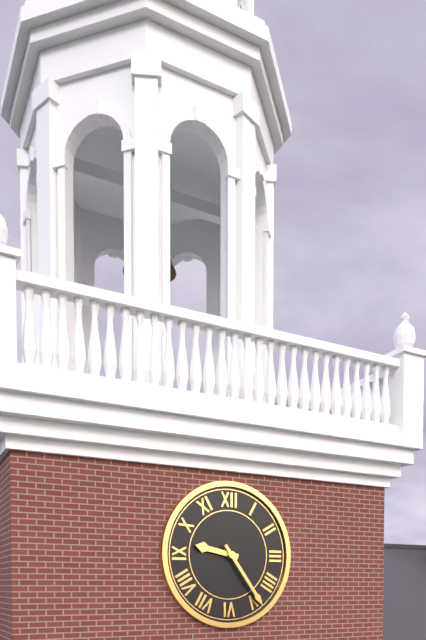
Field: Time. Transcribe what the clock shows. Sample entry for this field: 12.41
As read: 9.24
